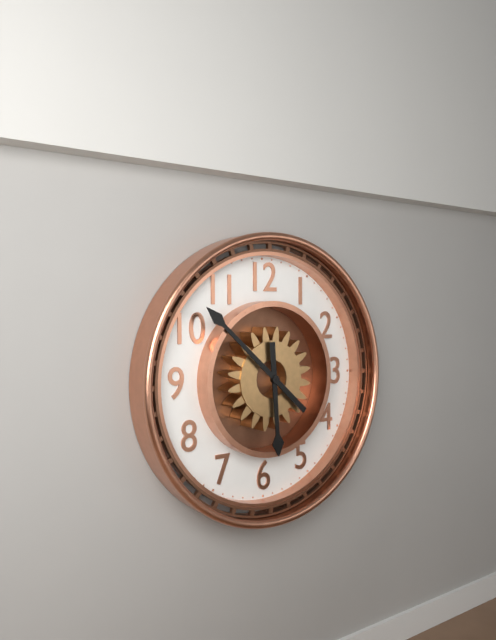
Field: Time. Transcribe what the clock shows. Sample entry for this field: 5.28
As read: 5.52
